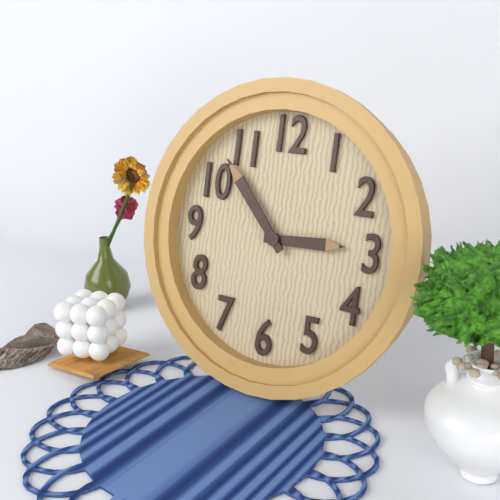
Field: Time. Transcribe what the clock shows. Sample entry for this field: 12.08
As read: 2.53
